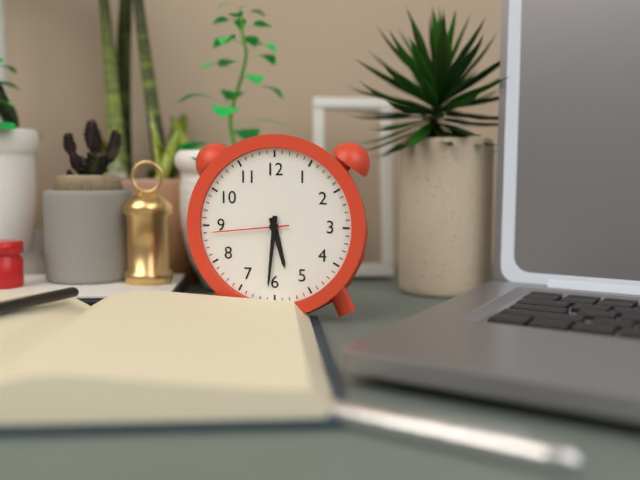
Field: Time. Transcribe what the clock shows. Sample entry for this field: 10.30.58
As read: 5.31.44
